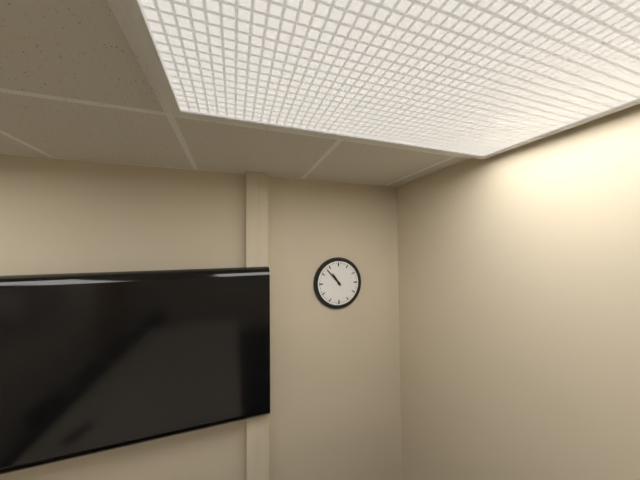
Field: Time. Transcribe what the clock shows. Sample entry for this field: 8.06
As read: 10.53
